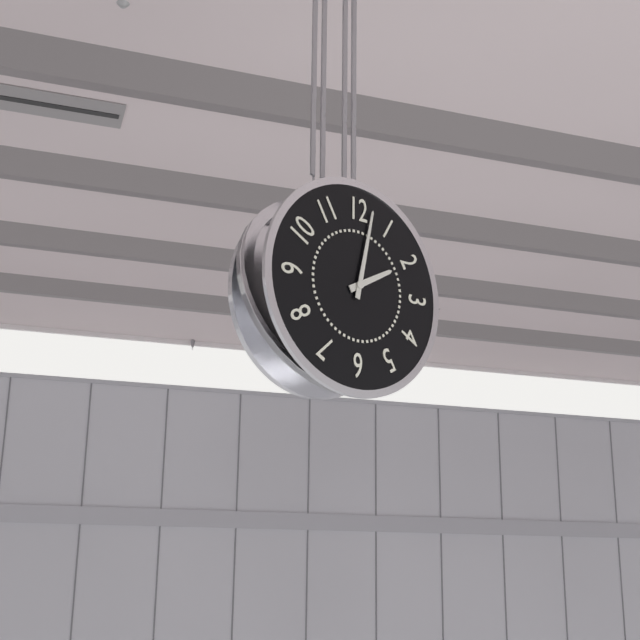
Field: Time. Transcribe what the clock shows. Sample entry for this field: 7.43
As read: 2.02
